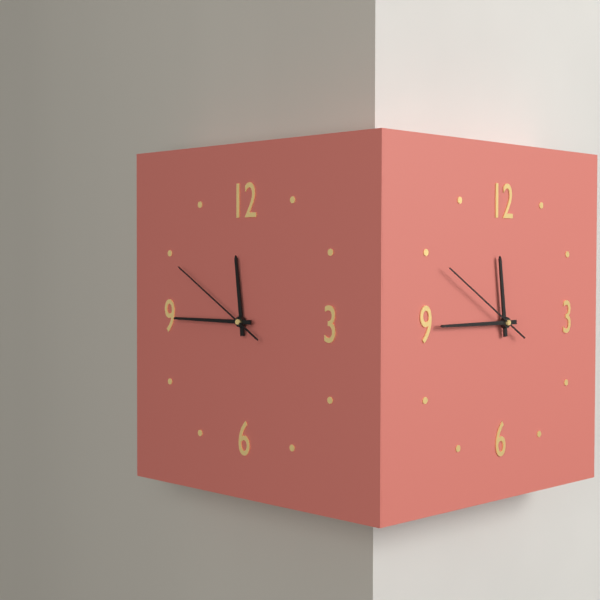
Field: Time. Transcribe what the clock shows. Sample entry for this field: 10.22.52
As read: 11.45.50
